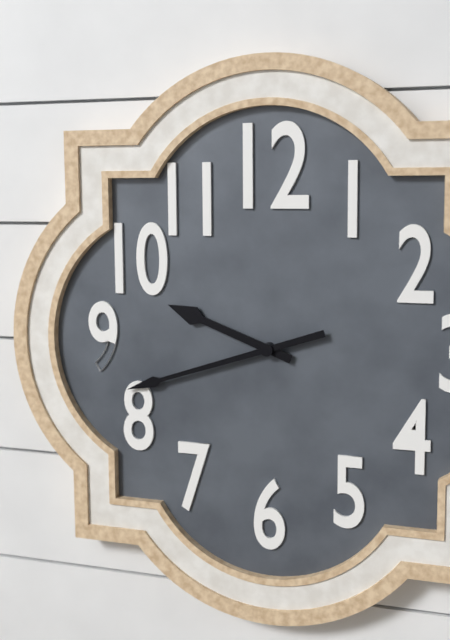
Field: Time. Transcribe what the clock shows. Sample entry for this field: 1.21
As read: 9.42
